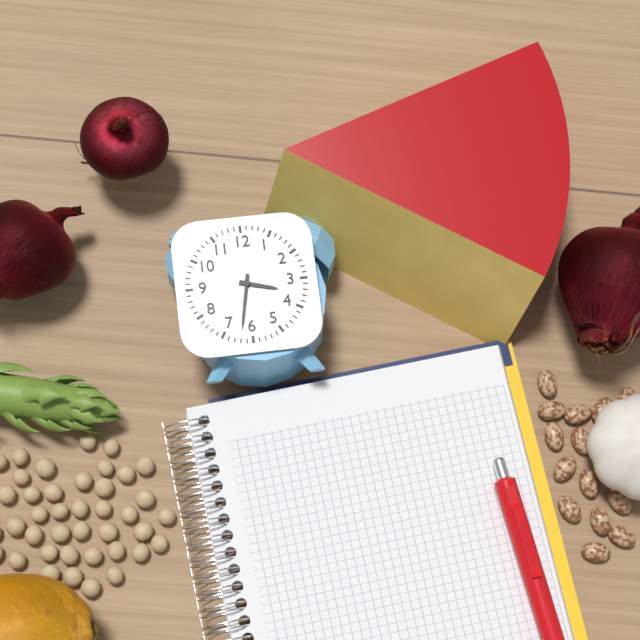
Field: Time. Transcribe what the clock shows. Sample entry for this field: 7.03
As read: 3.32
